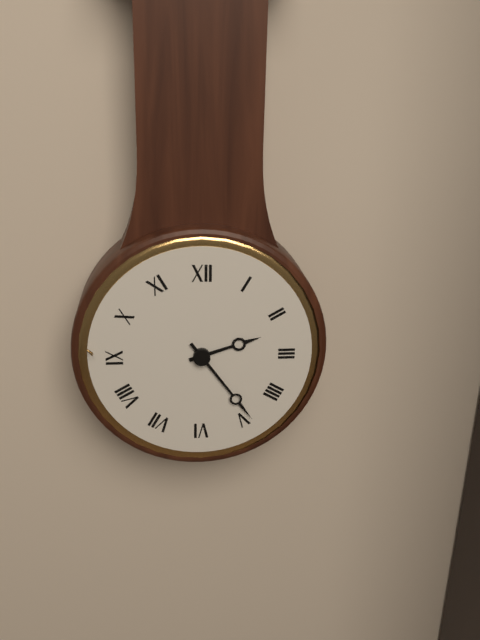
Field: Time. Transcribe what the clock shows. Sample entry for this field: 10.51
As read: 2.24
